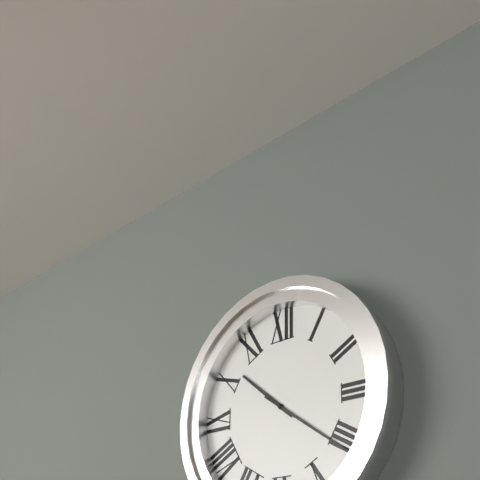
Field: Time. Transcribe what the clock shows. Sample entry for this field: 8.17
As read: 10.21
